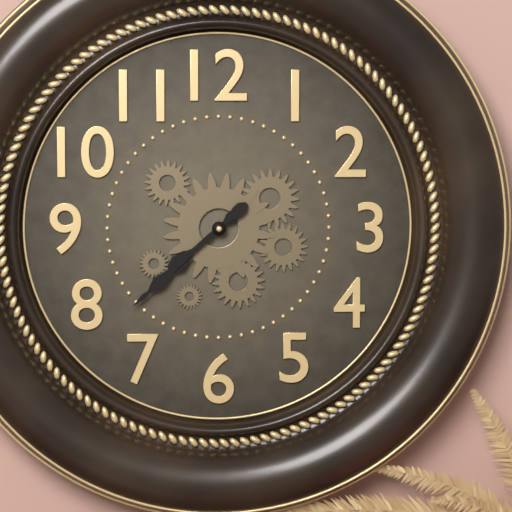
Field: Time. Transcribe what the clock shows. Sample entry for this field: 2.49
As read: 7.38
